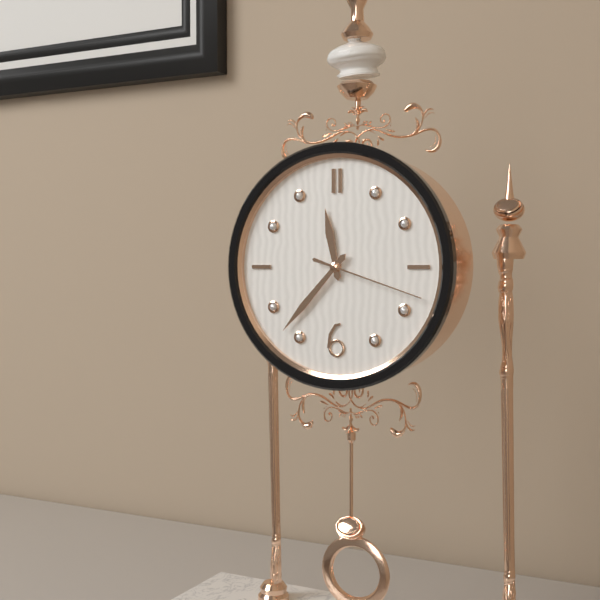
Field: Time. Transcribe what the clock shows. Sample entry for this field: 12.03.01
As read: 11.37.18
